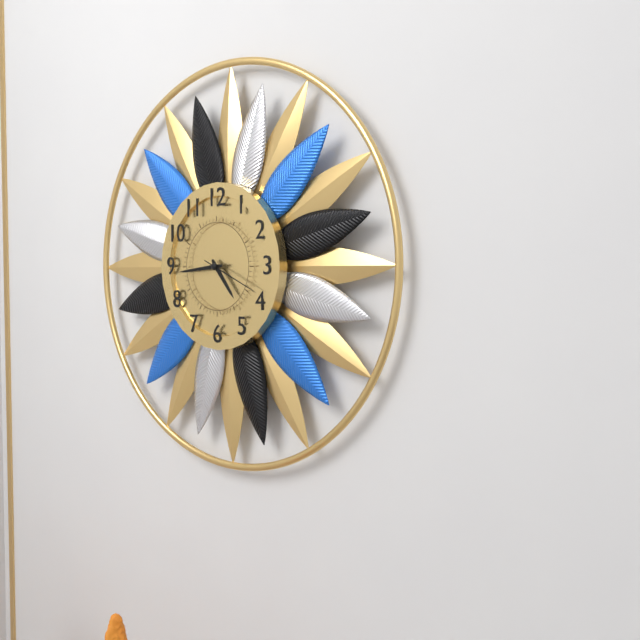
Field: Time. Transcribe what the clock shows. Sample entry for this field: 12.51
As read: 4.44
